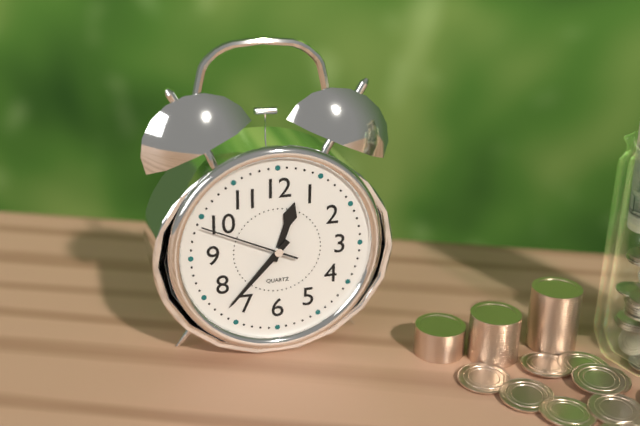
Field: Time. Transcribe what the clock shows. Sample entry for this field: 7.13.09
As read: 12.37.49
